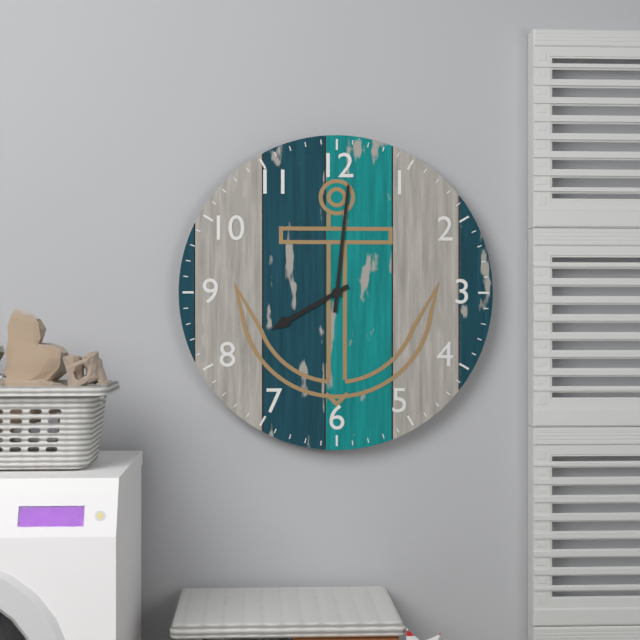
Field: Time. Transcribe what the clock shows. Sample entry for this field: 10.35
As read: 8.01
